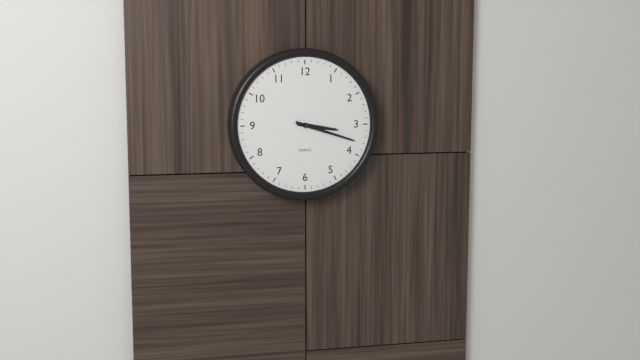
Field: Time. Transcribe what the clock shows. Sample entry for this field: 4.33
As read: 3.18
